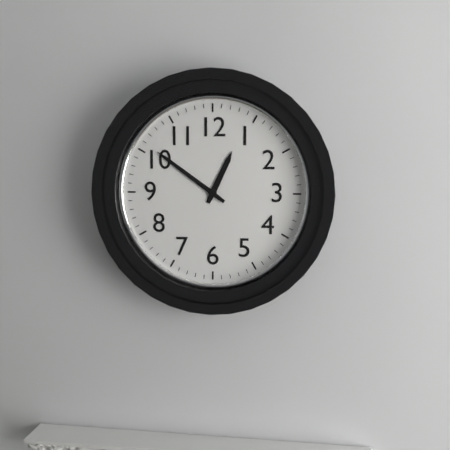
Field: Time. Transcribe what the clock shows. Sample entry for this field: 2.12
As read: 12.51
